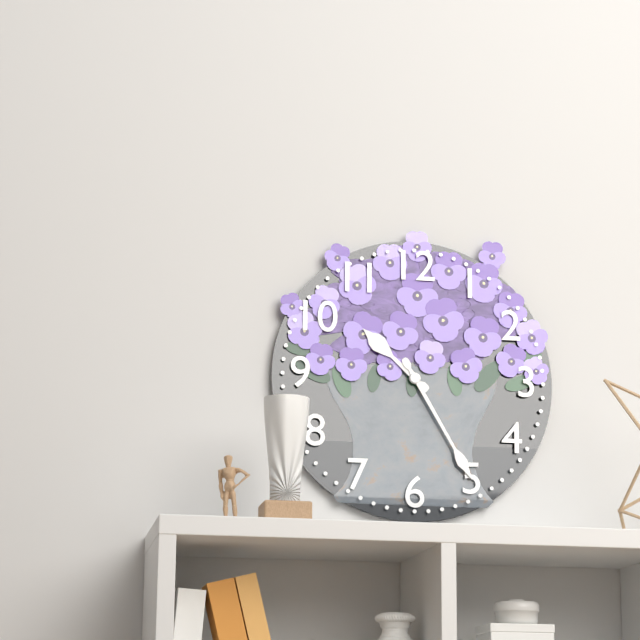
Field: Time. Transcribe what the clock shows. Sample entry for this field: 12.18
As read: 10.25
